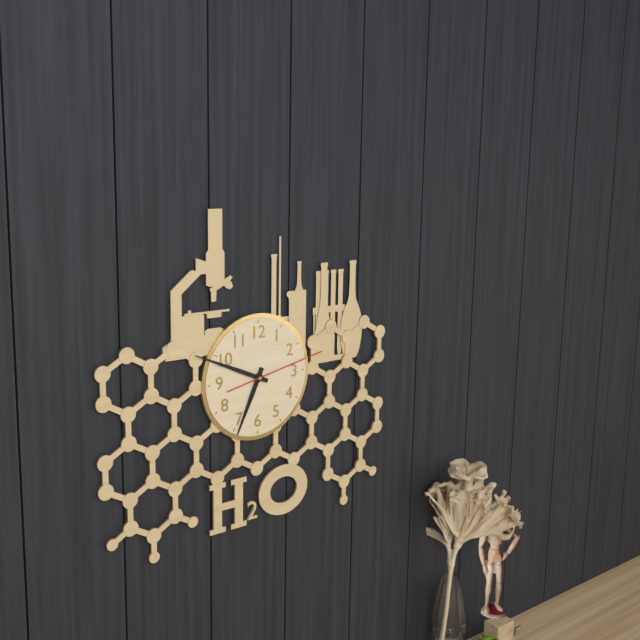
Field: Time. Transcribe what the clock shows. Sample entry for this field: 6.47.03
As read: 6.49.13
